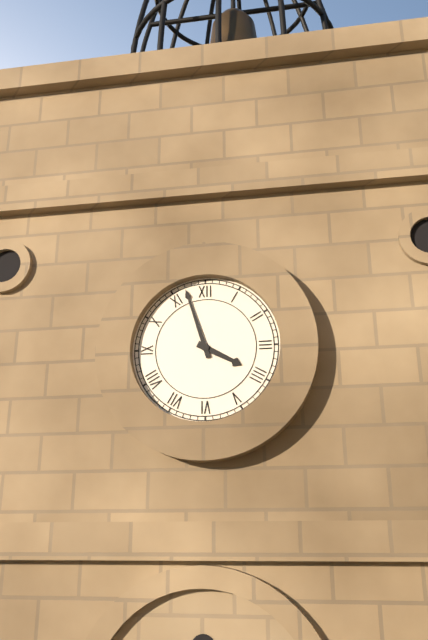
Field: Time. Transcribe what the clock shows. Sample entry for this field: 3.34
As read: 3.57
